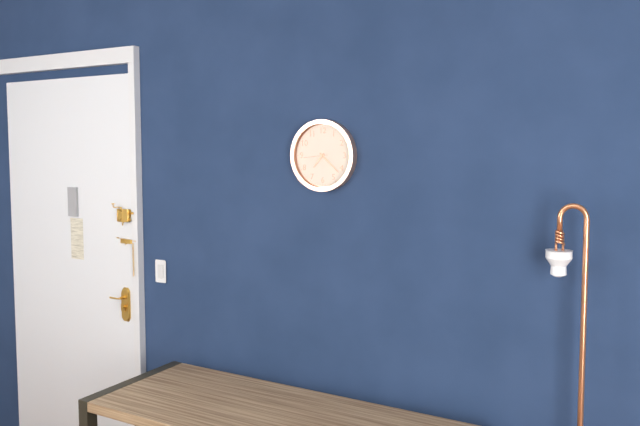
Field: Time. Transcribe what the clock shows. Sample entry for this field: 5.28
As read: 7.22
